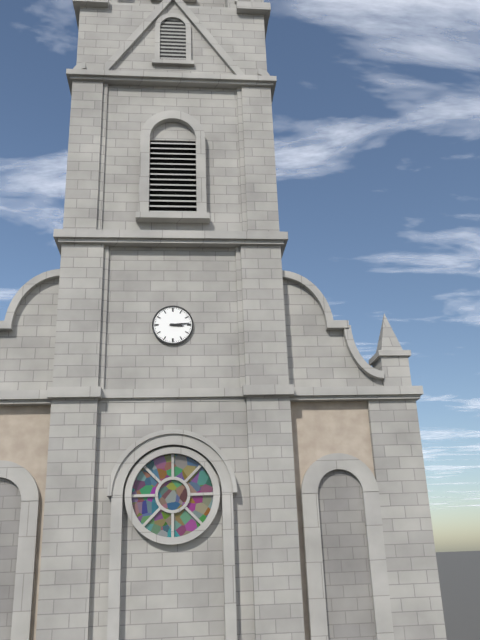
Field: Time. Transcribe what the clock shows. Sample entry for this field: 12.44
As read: 3.14
